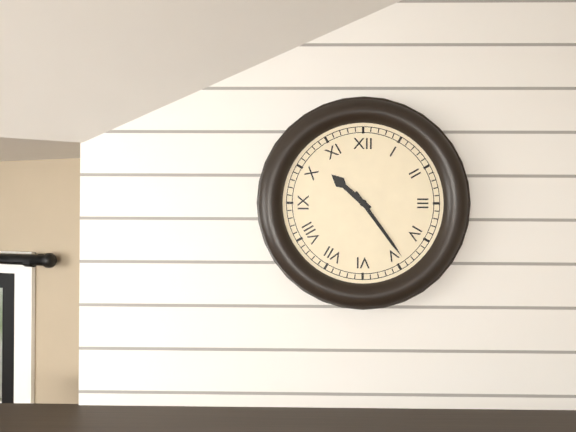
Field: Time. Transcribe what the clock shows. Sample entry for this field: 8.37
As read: 10.24
